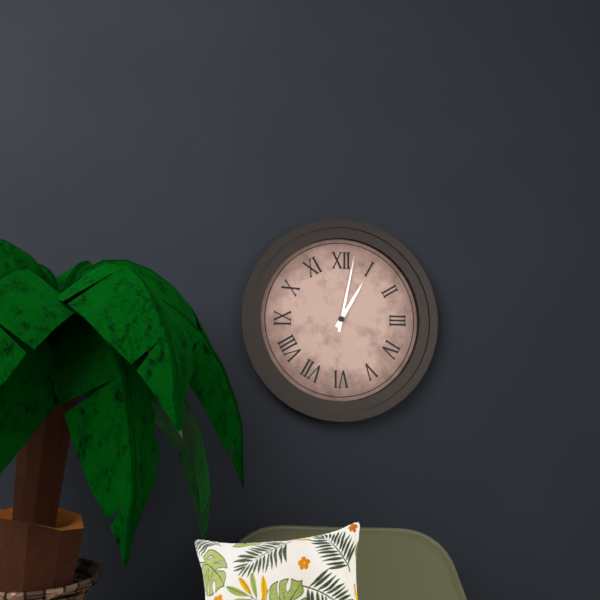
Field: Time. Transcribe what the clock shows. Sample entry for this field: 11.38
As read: 1.02
